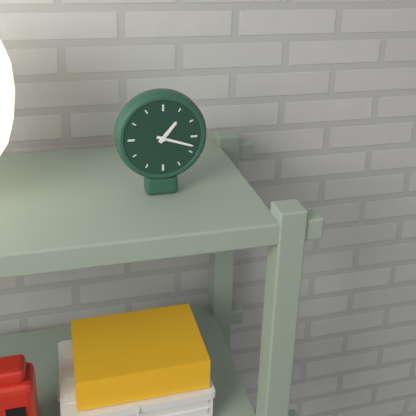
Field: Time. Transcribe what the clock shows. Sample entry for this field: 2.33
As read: 1.18
